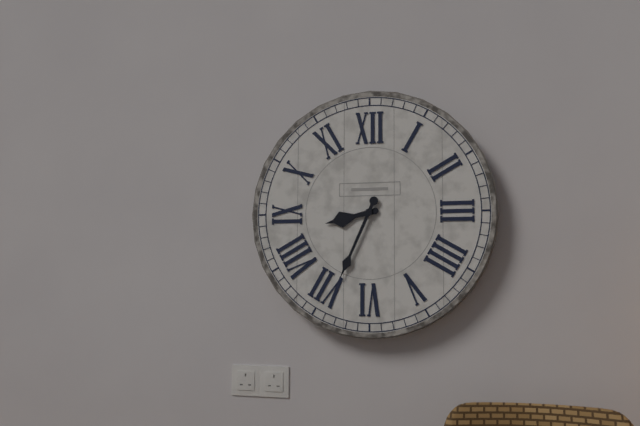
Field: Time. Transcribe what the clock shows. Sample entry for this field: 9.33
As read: 8.34
